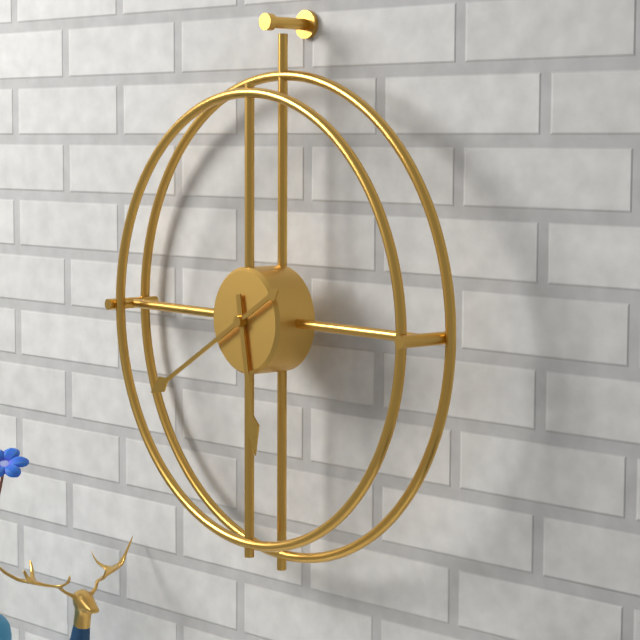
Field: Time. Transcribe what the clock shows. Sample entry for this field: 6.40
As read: 5.40
